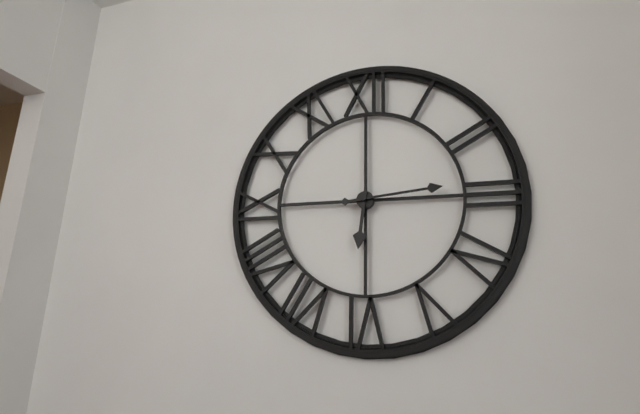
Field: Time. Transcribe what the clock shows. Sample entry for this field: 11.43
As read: 6.14
